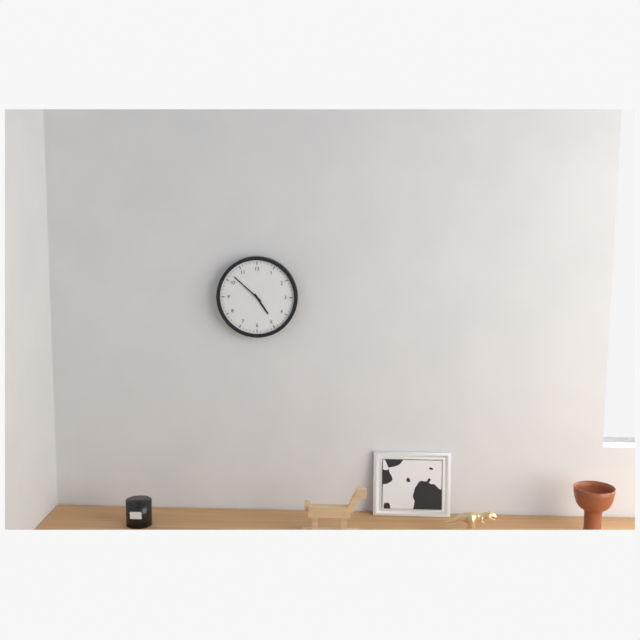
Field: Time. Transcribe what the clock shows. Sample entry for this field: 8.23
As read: 4.52
